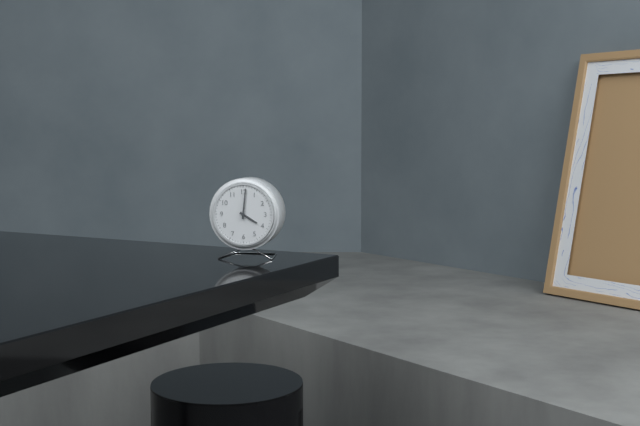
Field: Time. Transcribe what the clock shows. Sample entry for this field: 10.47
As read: 4.01
